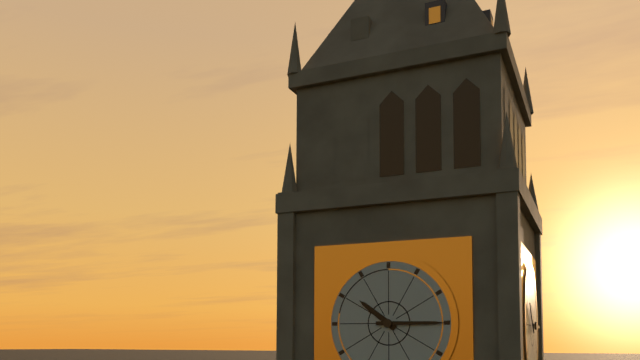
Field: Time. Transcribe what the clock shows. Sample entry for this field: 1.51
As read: 10.15
